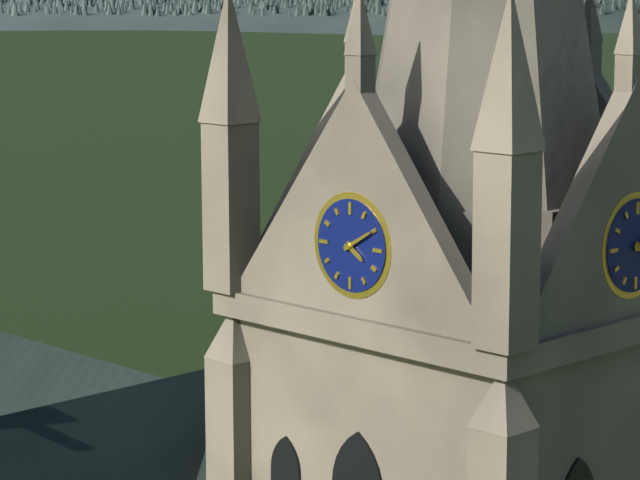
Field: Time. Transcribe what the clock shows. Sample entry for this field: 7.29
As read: 4.10
